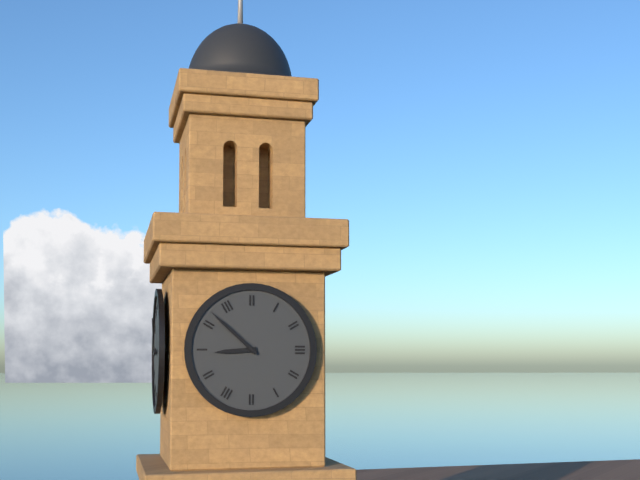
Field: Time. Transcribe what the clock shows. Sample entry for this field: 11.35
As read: 8.52
